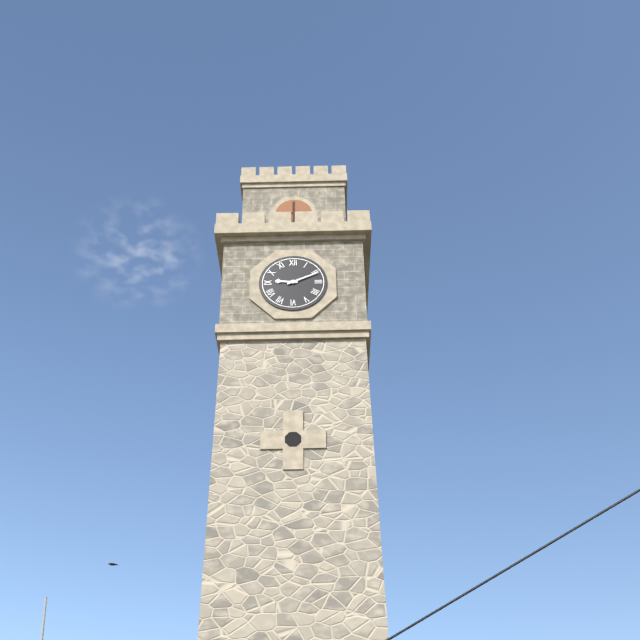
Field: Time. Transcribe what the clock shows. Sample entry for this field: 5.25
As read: 9.11
